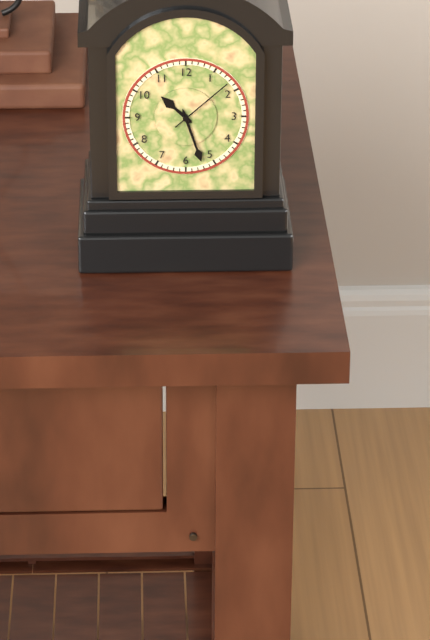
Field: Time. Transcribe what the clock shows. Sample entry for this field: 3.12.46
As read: 10.27.08
